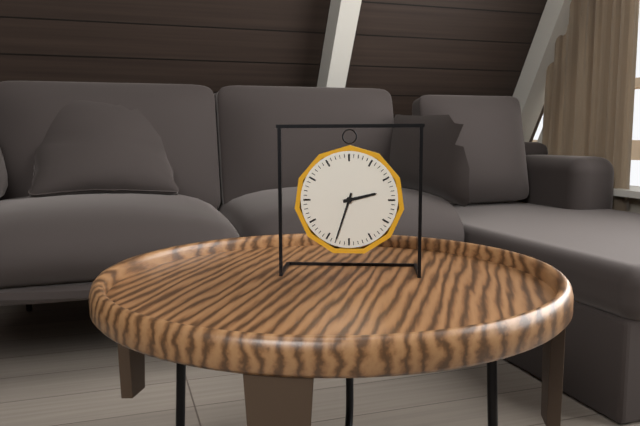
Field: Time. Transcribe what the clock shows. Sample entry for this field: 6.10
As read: 2.33
